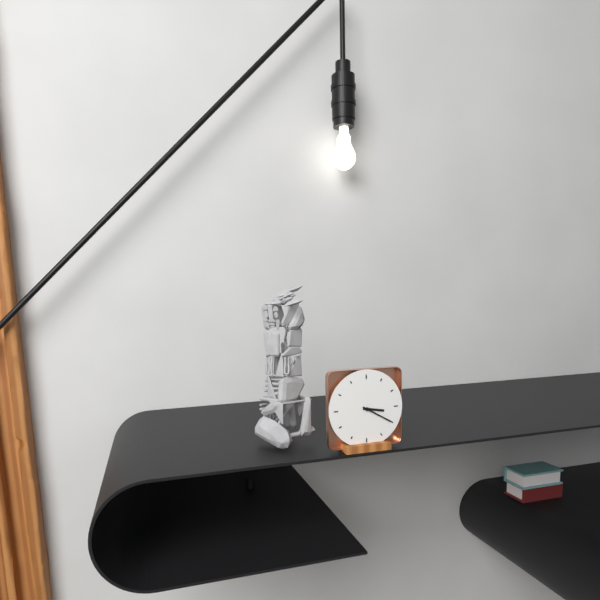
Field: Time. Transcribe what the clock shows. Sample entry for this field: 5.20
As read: 3.20
